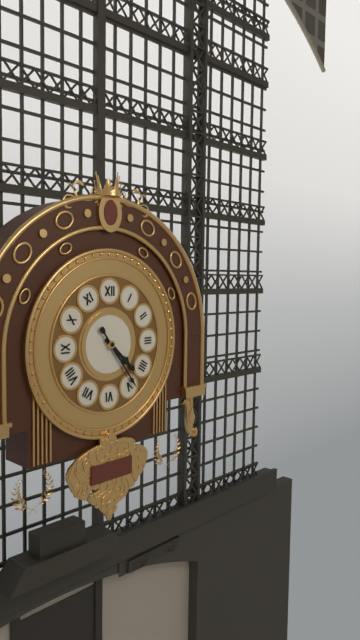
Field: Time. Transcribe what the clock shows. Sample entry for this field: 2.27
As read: 4.24
